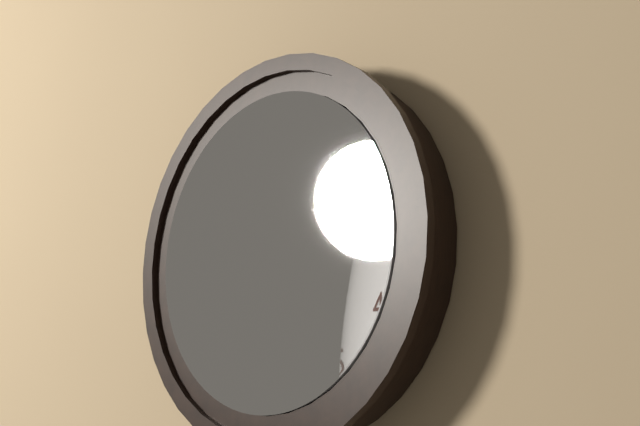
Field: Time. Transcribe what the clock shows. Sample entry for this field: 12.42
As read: 1.45
